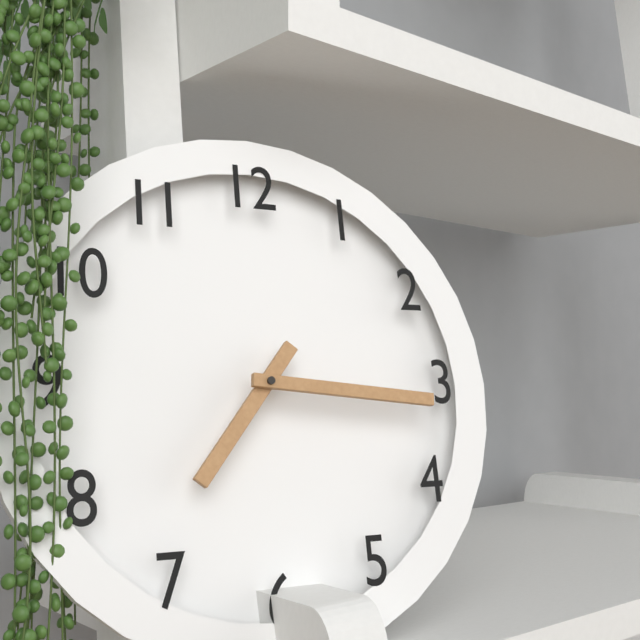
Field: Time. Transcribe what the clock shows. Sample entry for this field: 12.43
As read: 7.16
